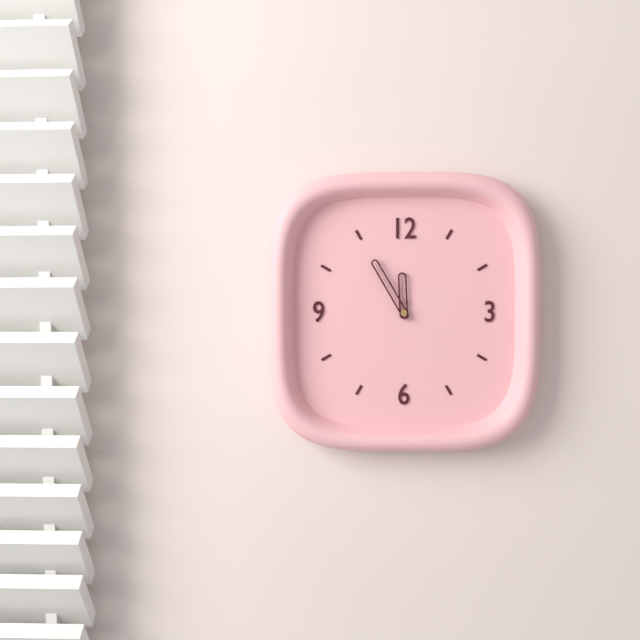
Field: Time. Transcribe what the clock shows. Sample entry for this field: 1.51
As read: 11.55
